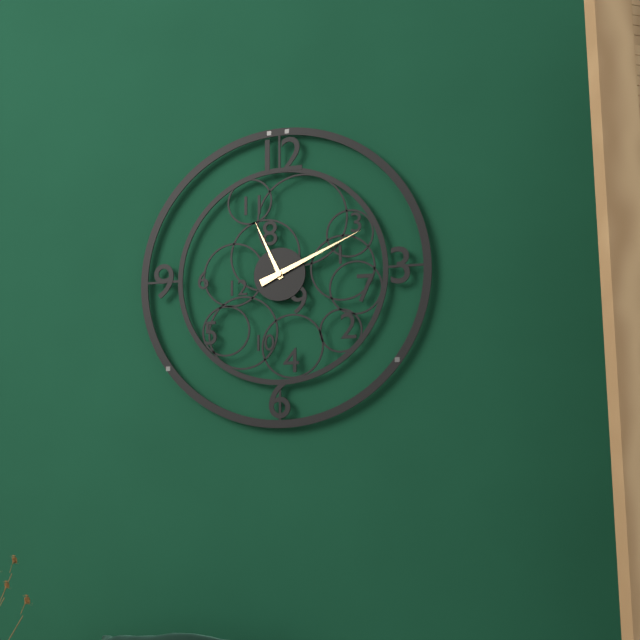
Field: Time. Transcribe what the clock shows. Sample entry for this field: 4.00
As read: 11.11
